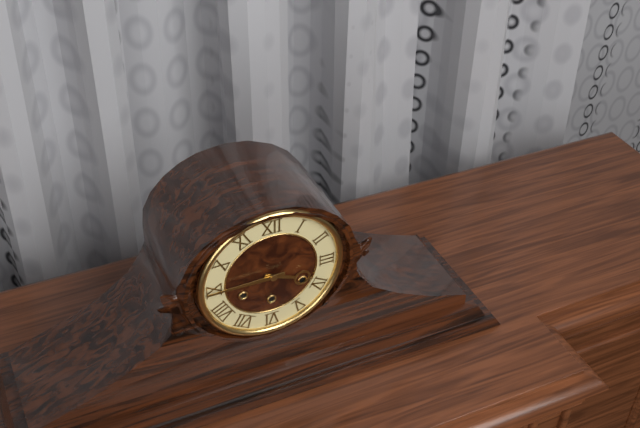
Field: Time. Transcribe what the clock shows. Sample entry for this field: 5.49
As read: 3.45
